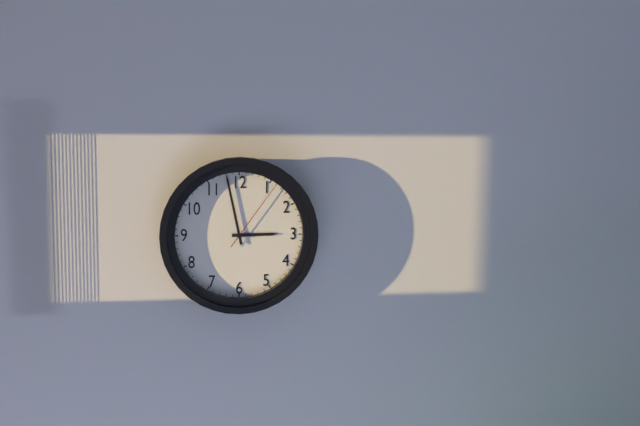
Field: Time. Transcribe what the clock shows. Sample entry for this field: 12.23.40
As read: 2.58.06
